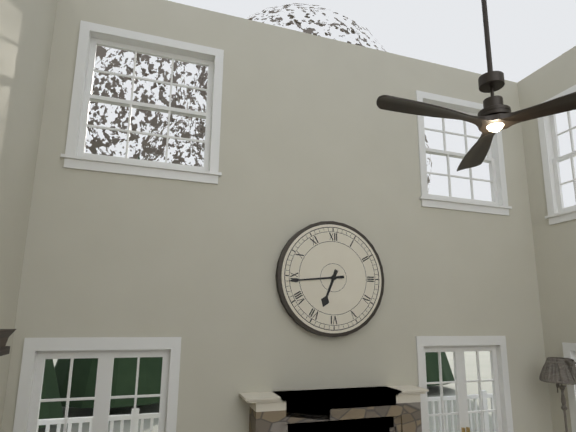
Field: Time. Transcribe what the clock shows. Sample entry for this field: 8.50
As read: 6.44
